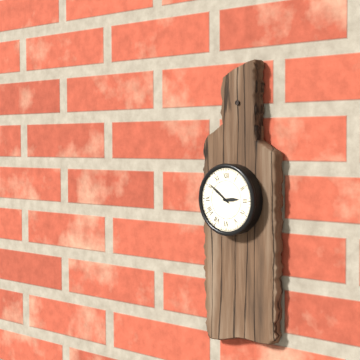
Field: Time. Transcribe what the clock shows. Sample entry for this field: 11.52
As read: 2.51
